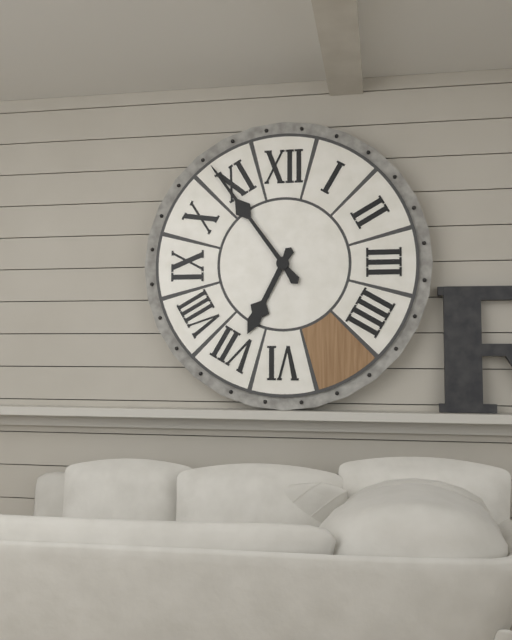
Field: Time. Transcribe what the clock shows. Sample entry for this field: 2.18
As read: 6.54
